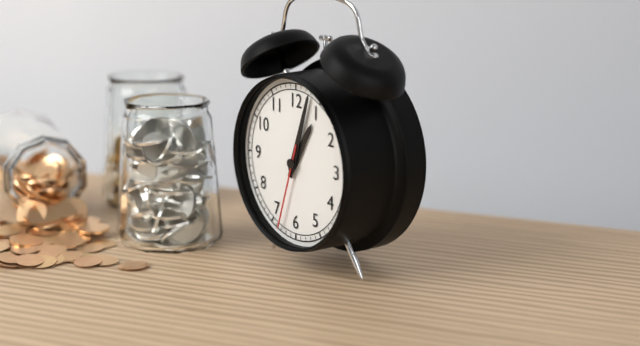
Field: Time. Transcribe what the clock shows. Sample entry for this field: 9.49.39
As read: 1.03.33
